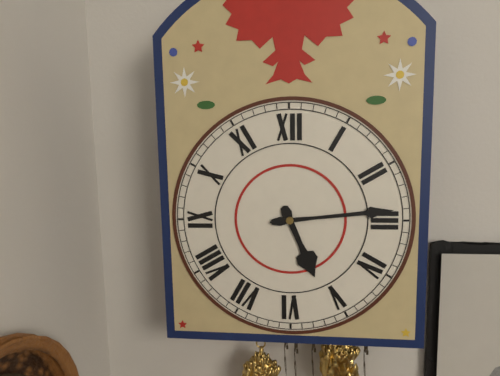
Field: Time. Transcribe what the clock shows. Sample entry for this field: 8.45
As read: 5.14
